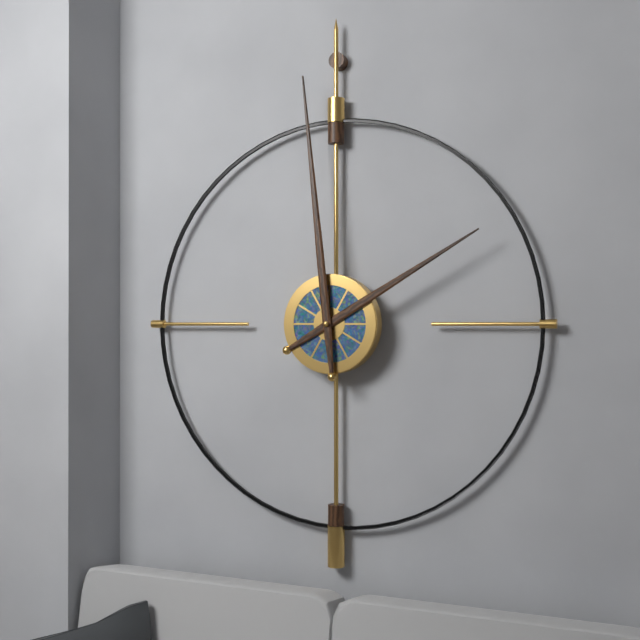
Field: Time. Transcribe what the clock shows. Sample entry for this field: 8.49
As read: 1.59
